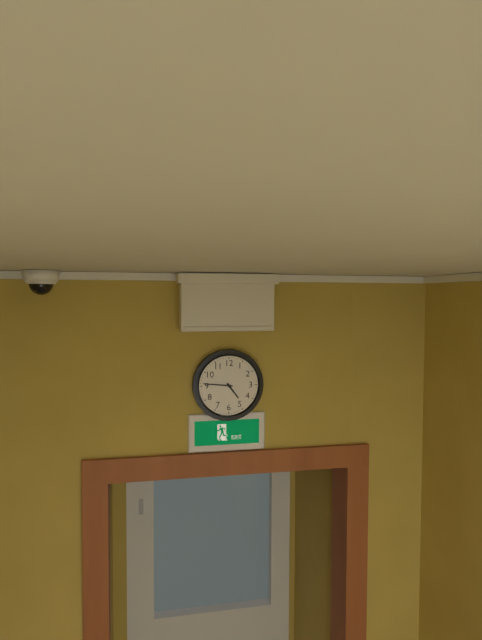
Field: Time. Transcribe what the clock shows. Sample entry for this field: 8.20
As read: 4.46
